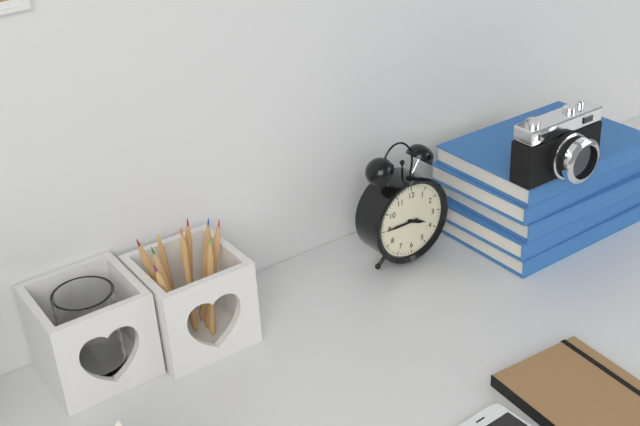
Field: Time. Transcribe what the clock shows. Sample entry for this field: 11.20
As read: 3.45
